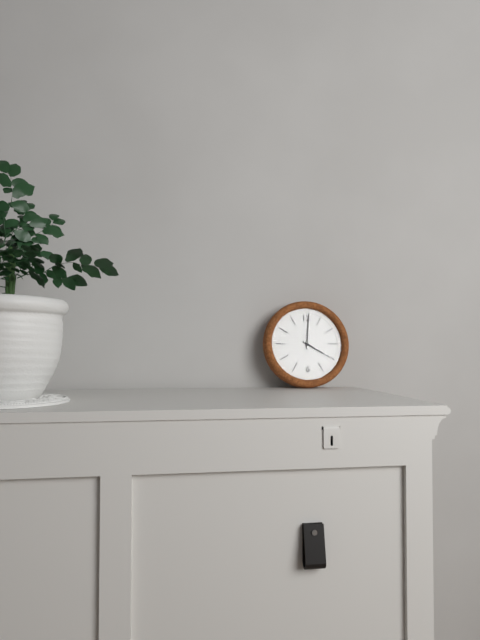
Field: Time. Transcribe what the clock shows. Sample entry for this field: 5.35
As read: 4.01
